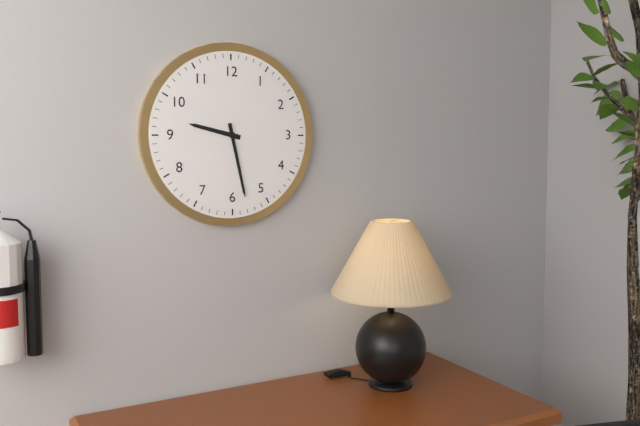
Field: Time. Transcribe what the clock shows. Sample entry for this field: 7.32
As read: 9.28
